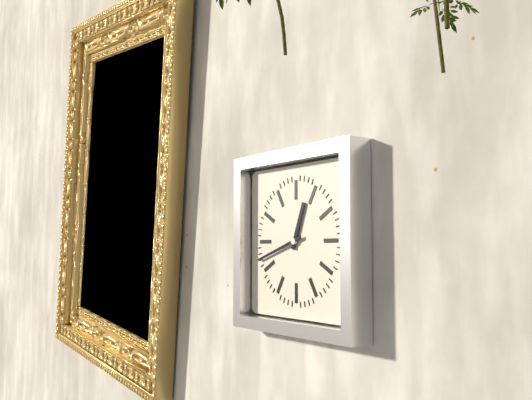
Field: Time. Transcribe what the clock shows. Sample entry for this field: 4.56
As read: 12.42
